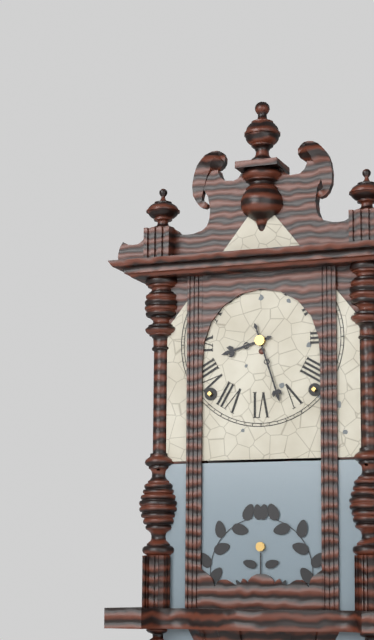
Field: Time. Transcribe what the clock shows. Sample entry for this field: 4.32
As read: 8.27
